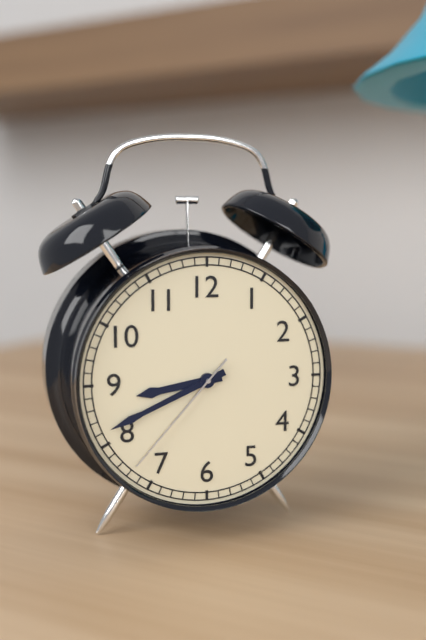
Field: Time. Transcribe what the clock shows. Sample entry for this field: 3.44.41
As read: 8.41.37
